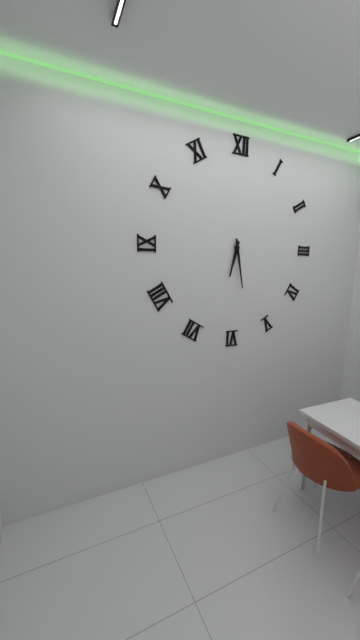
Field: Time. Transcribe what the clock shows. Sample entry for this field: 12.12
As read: 6.28
